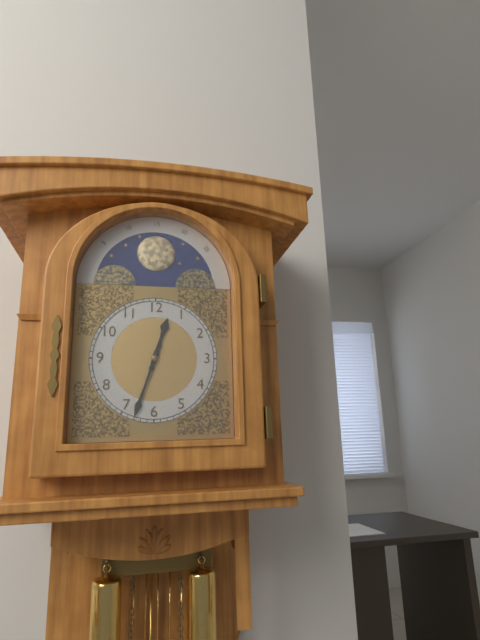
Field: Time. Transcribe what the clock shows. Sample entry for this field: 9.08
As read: 12.33
